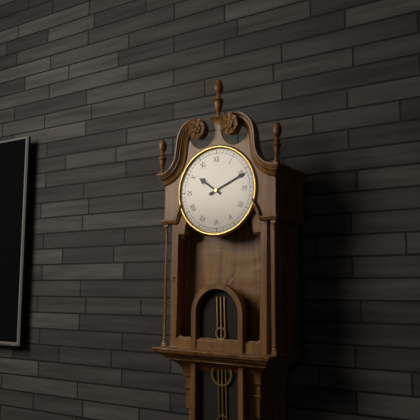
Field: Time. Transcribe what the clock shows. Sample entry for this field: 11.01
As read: 10.11
